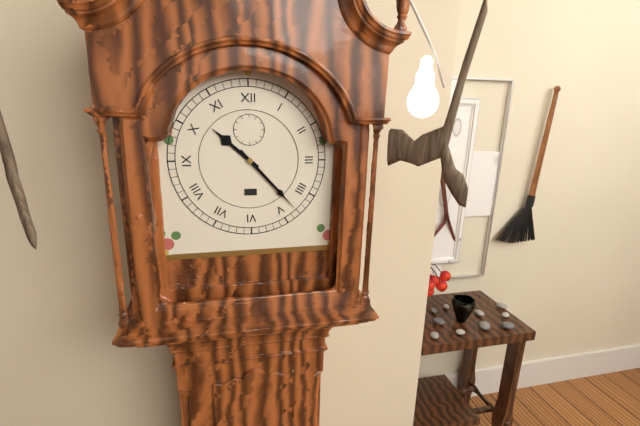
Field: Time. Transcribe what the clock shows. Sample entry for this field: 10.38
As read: 10.23
